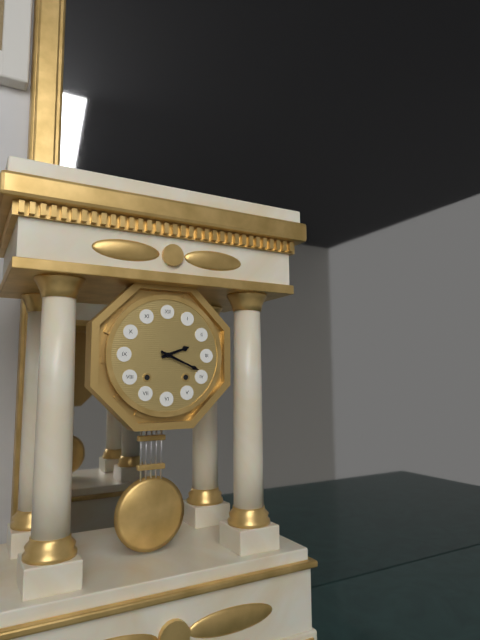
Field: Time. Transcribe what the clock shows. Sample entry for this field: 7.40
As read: 2.19
